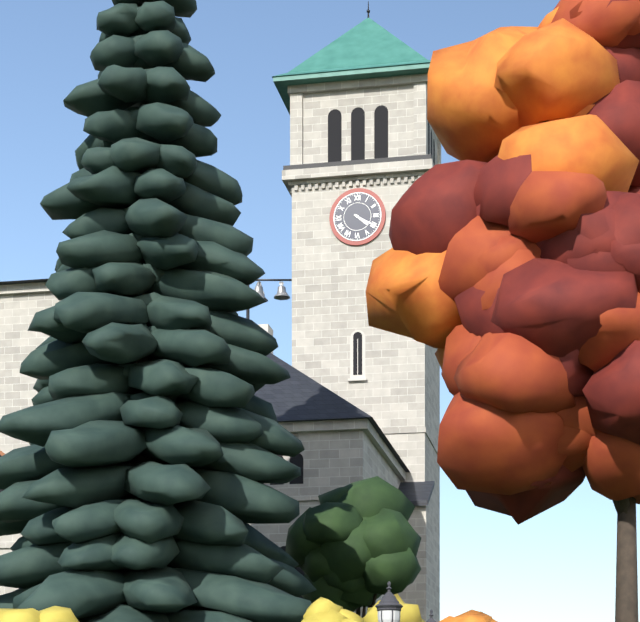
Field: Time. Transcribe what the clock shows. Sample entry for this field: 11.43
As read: 4.20
